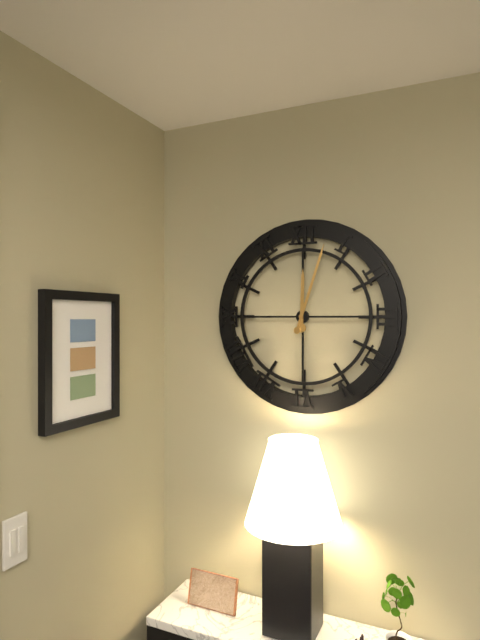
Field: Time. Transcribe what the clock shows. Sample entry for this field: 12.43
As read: 12.03
